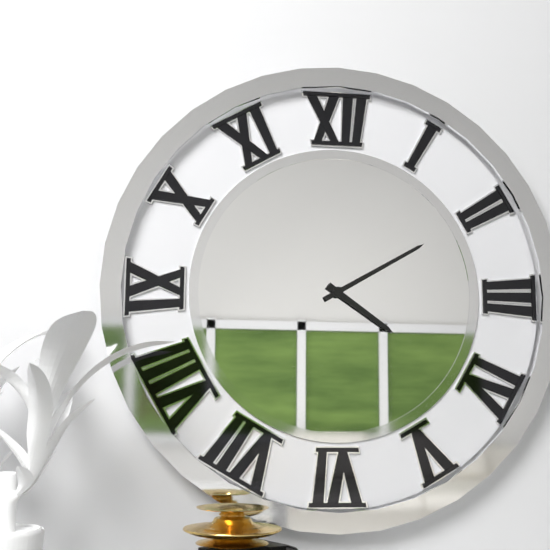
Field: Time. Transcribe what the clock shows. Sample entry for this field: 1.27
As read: 4.10
